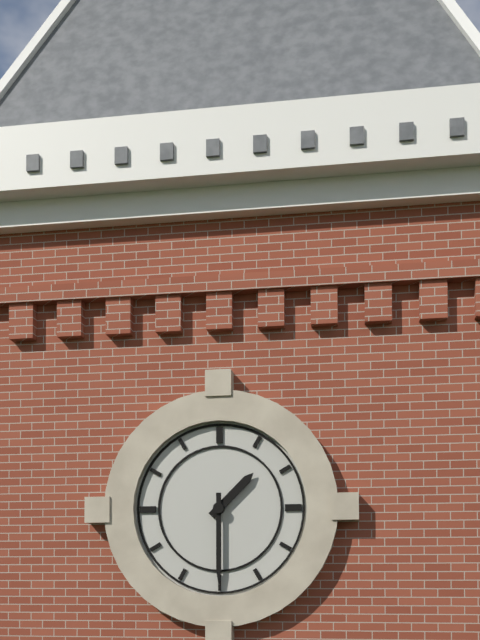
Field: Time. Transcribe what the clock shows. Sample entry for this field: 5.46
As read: 1.30
